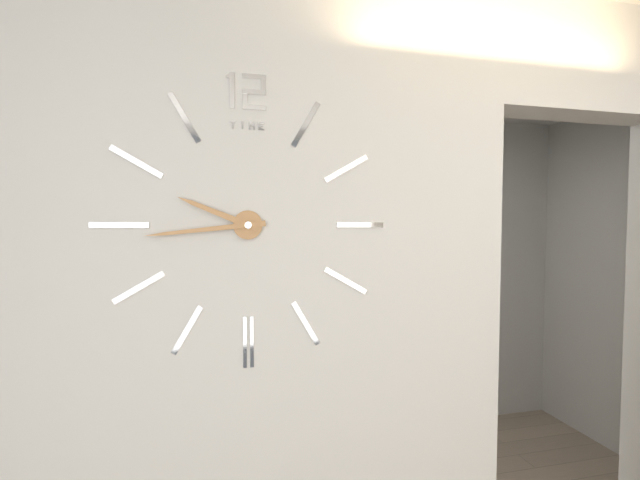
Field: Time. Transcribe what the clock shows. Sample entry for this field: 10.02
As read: 9.44
